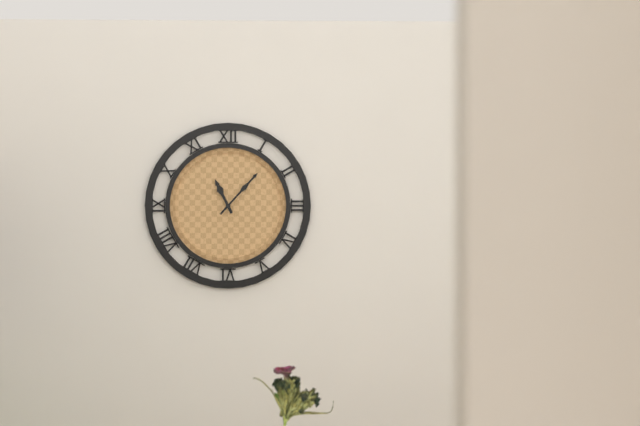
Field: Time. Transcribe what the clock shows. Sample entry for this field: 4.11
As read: 11.07
